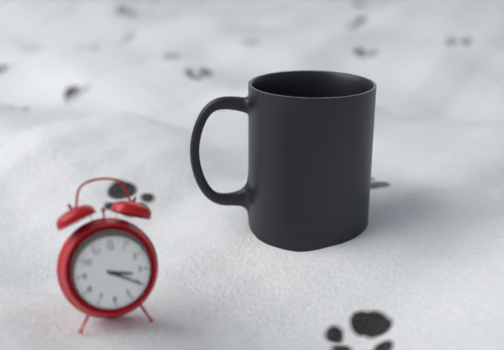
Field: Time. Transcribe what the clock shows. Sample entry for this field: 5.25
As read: 3.20
